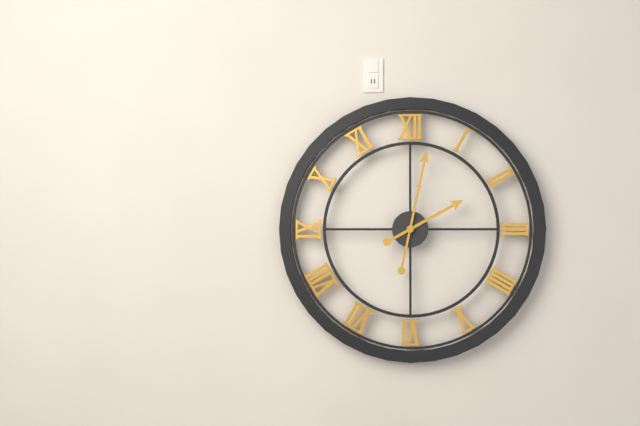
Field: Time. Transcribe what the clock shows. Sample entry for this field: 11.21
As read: 2.02
